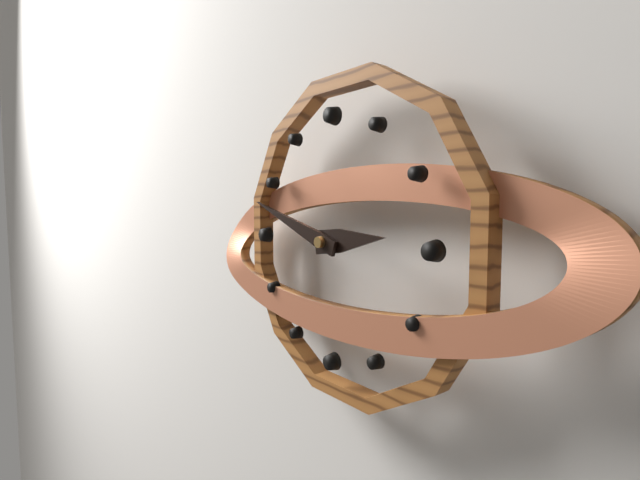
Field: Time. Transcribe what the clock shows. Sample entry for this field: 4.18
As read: 2.48
